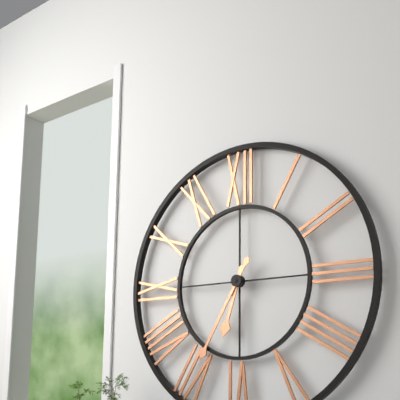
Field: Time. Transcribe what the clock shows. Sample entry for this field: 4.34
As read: 6.35
